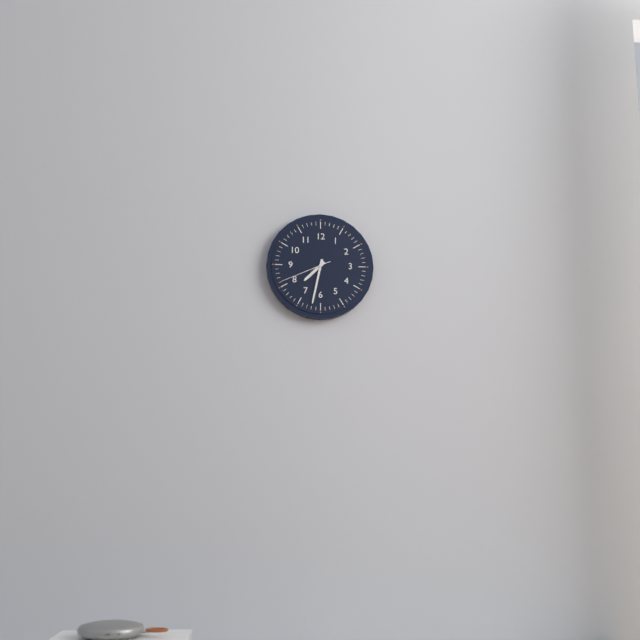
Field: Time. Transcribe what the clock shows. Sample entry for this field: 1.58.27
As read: 7.32.41
